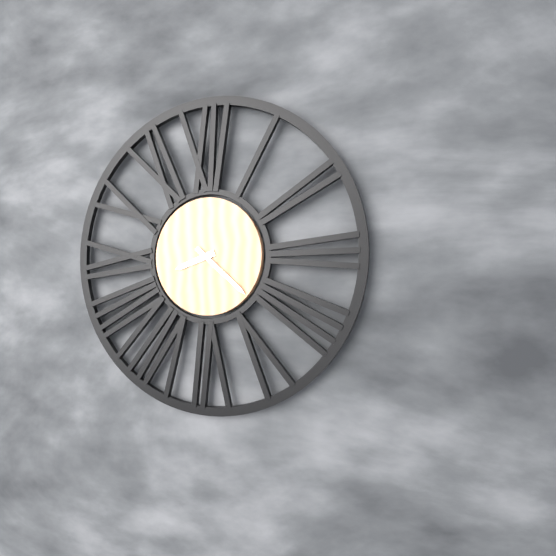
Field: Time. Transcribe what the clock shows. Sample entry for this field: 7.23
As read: 8.22
